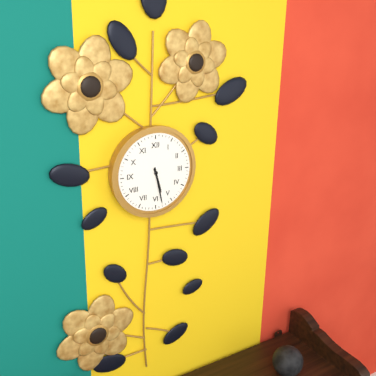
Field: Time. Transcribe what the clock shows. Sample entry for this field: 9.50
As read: 5.28
